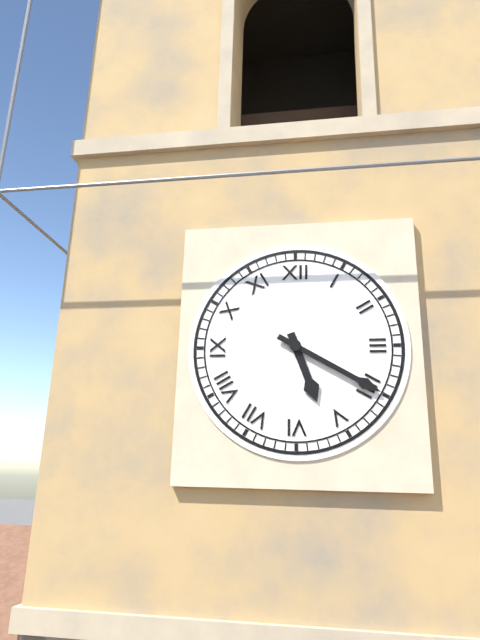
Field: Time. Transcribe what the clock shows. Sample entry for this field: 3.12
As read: 5.20
